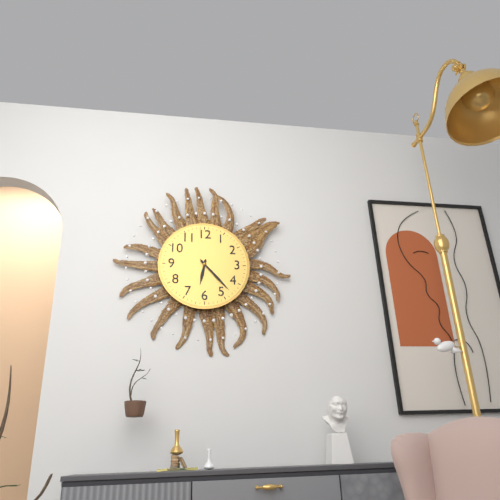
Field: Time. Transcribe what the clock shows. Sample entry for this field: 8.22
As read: 6.23
